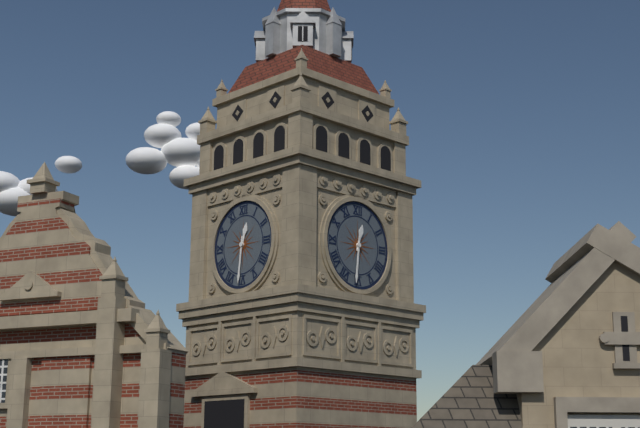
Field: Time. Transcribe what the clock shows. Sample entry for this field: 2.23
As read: 12.31
